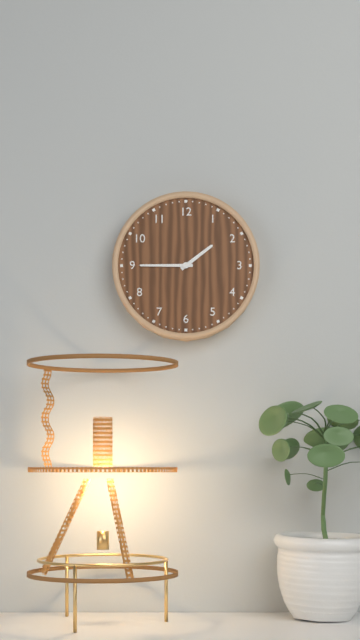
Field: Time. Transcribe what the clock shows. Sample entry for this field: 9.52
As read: 1.45
